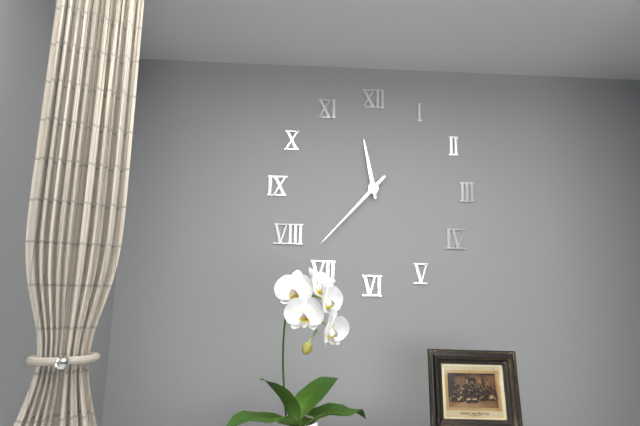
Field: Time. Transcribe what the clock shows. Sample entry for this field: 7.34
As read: 11.37
